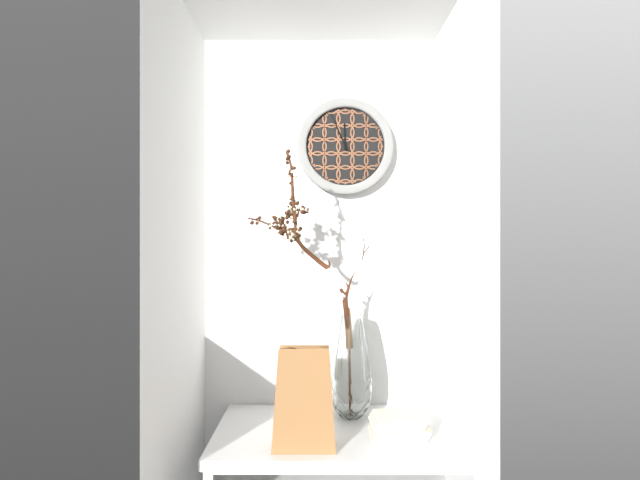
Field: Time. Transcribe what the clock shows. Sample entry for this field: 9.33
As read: 11.56
